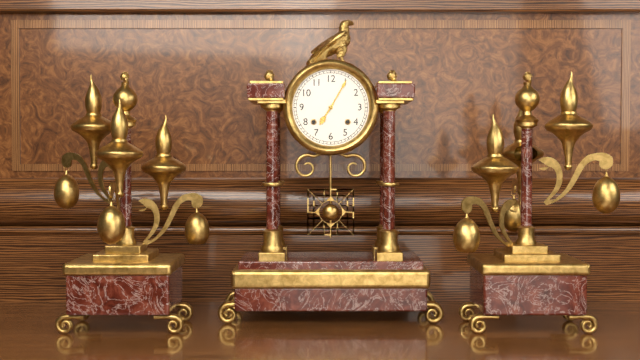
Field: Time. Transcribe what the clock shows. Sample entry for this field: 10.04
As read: 7.05
